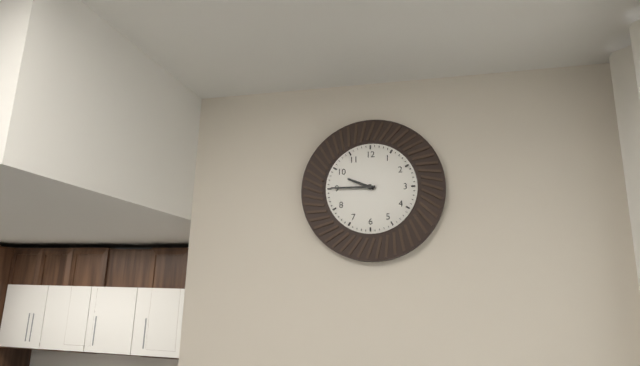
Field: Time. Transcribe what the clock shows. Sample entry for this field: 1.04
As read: 9.45
